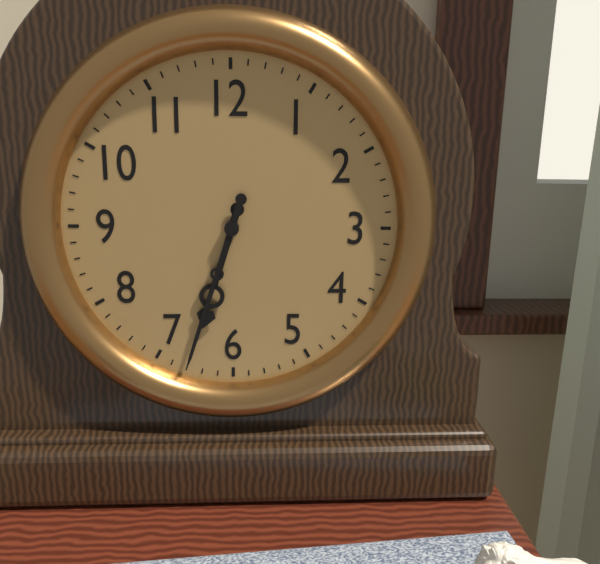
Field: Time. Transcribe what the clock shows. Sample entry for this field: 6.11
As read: 6.33
